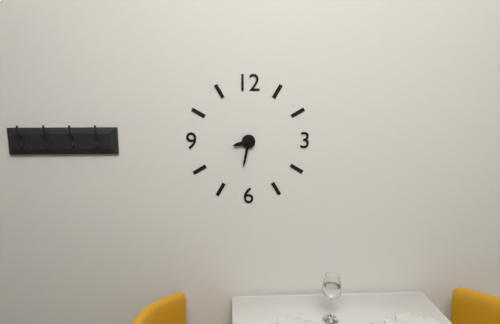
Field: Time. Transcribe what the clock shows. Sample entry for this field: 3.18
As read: 8.32
